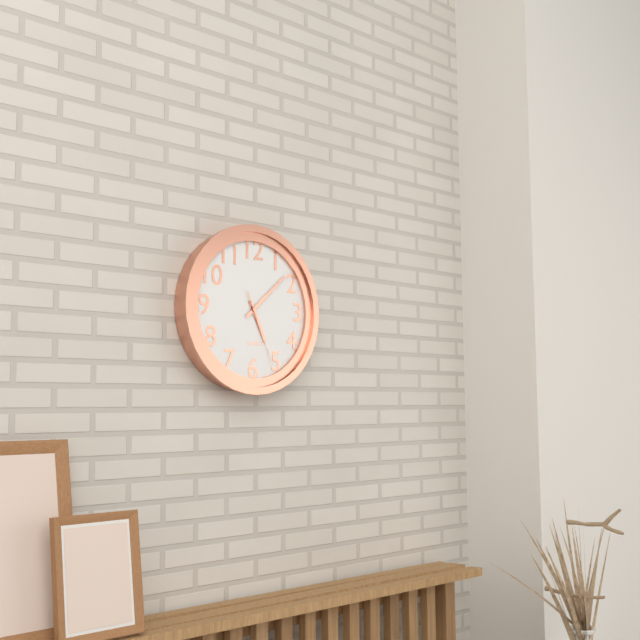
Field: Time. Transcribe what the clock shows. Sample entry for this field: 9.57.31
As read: 5.08.26
